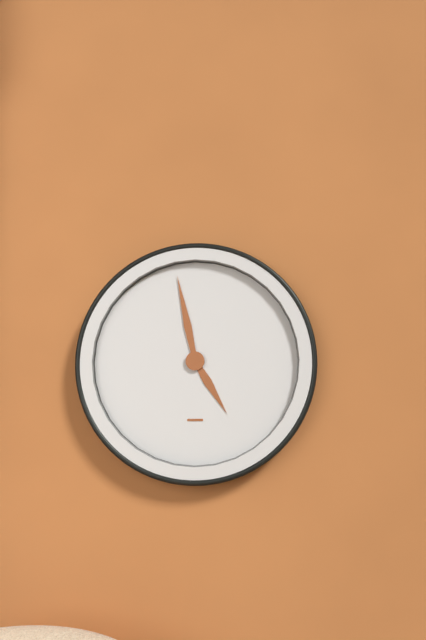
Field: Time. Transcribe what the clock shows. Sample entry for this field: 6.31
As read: 4.58
